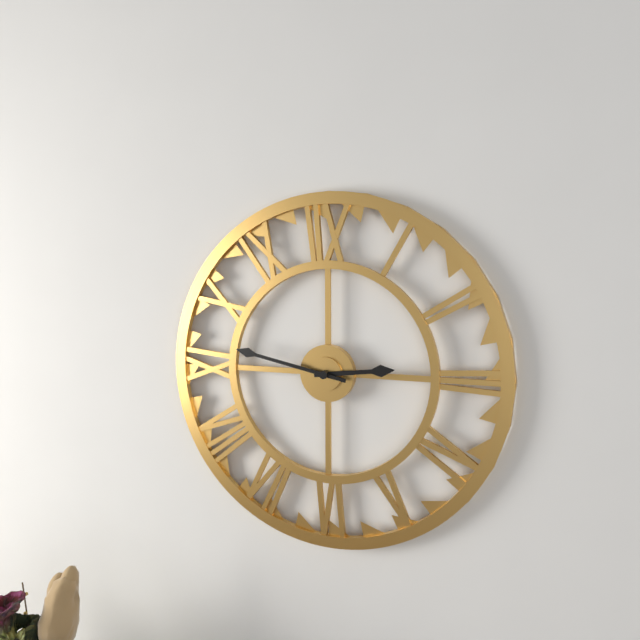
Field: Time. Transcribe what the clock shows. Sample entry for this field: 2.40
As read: 2.47
